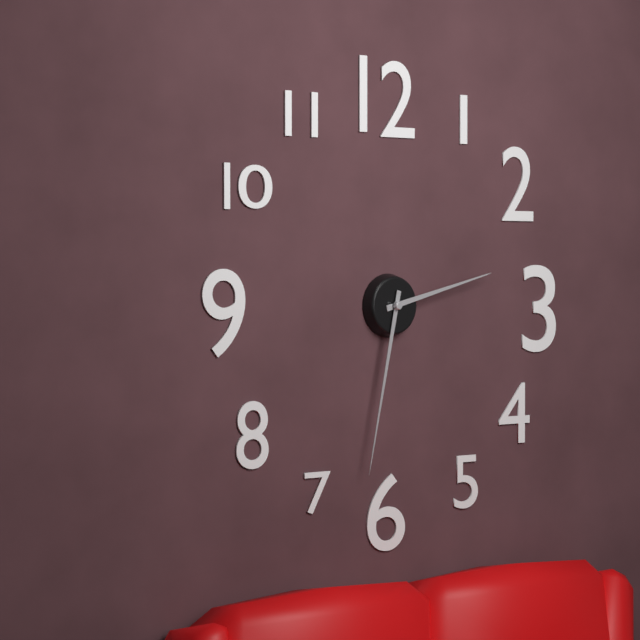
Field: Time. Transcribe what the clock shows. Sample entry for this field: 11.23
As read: 2.32
